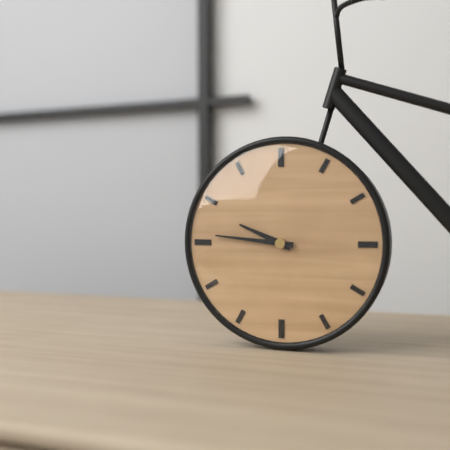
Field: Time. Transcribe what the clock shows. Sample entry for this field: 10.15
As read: 9.46
